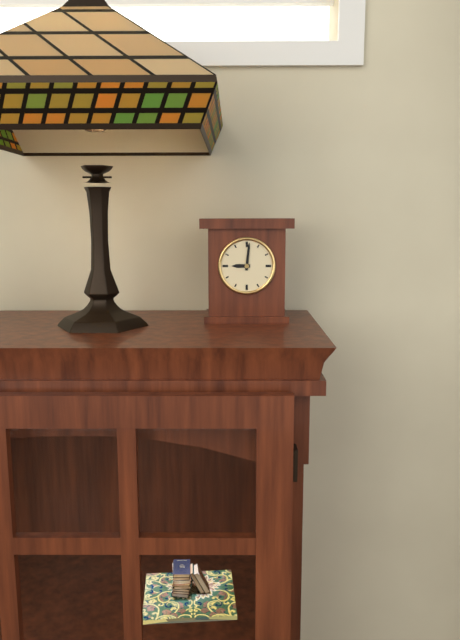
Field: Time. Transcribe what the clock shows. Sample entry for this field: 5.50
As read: 9.01
